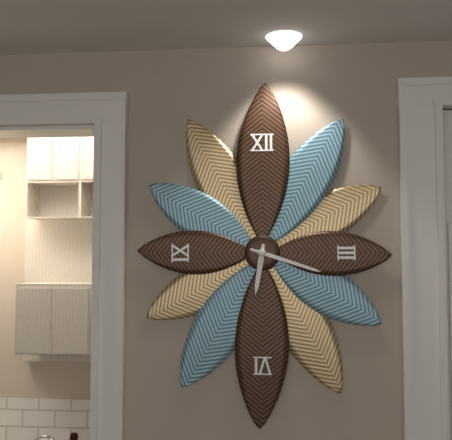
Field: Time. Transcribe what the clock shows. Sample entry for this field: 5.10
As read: 6.18
